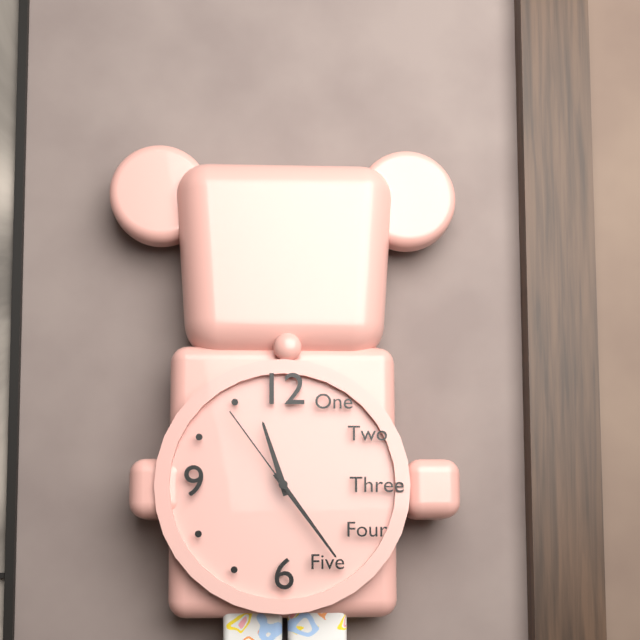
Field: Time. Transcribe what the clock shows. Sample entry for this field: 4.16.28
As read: 11.24.54
